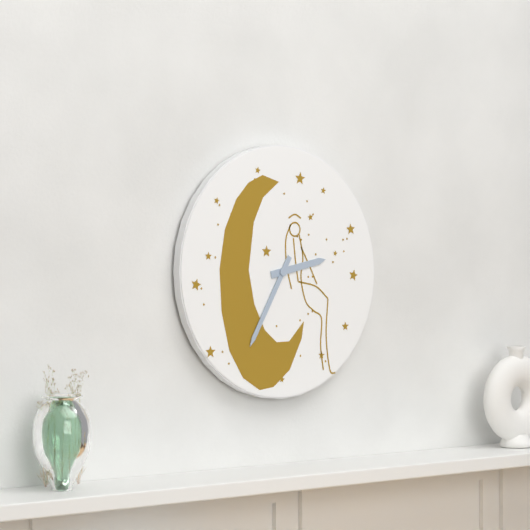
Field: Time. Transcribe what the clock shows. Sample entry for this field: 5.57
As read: 2.35
